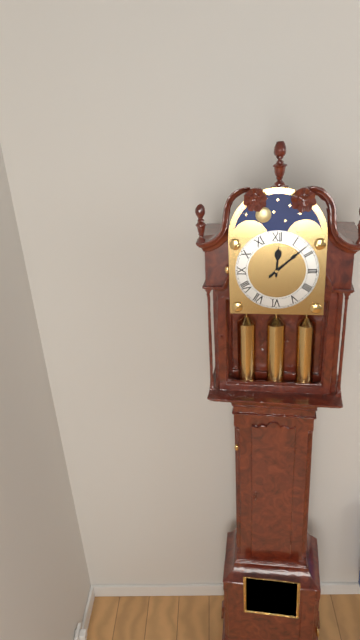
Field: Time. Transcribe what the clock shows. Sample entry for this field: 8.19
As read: 12.08
